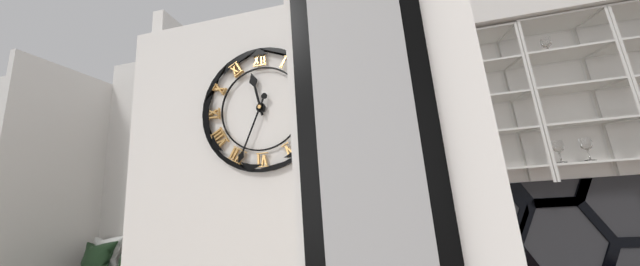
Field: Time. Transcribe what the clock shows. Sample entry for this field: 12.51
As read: 11.34
